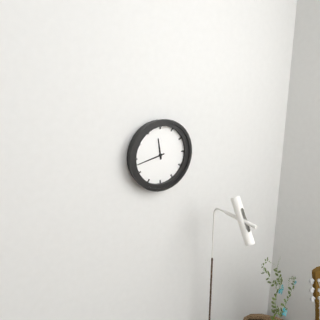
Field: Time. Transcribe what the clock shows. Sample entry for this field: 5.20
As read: 11.43
